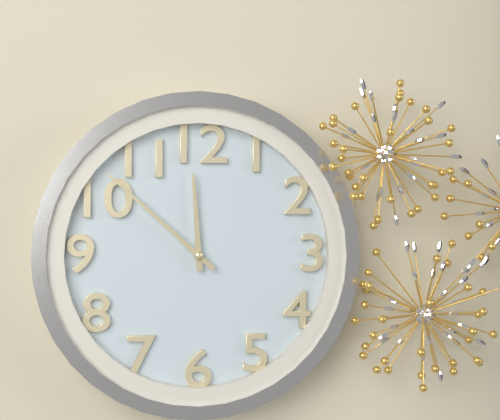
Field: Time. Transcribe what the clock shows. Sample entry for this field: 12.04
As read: 11.52
